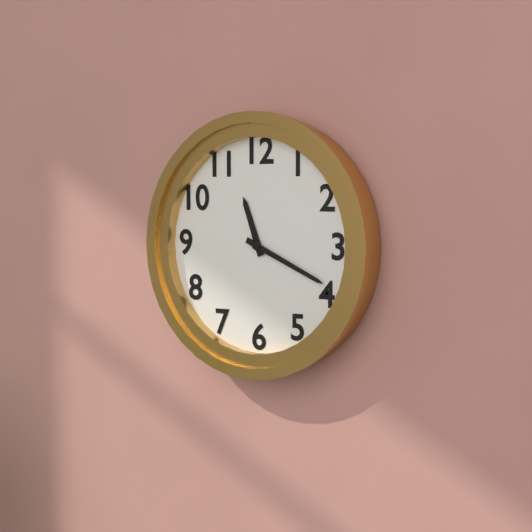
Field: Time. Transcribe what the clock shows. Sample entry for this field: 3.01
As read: 11.19
